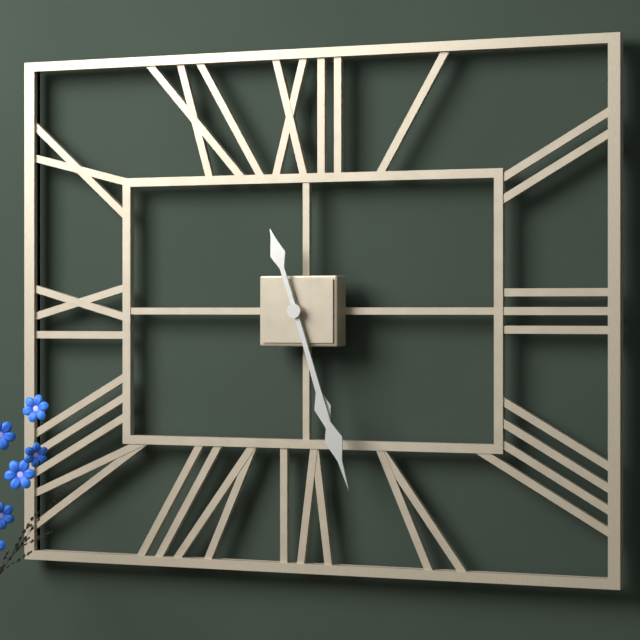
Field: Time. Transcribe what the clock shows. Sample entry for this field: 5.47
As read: 5.27
